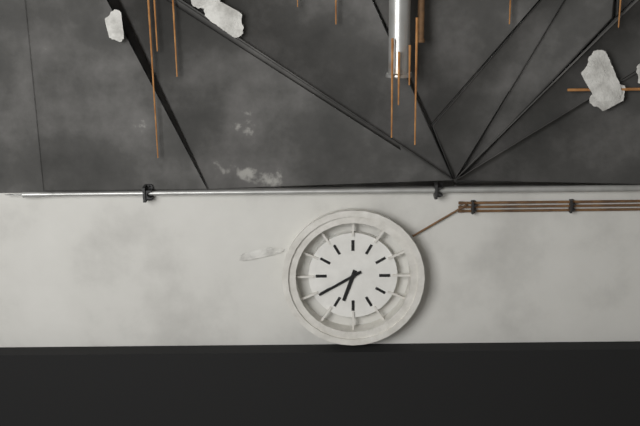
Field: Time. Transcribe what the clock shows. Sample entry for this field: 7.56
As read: 6.40
